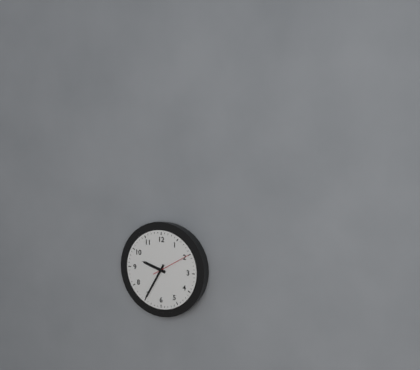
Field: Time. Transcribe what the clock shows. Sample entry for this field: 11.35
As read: 9.35
